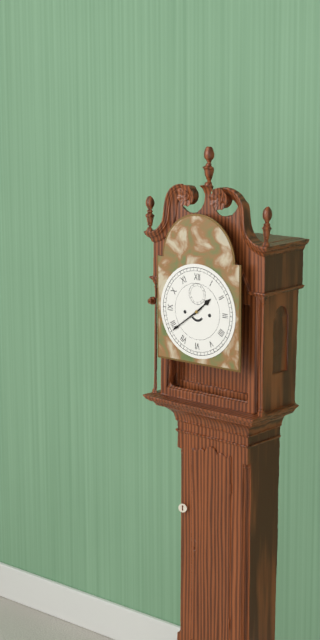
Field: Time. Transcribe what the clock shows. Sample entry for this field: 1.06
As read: 1.39
